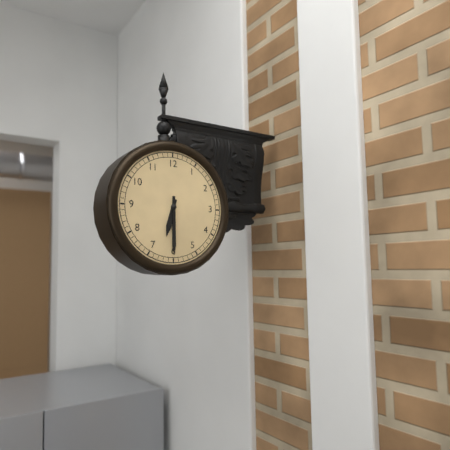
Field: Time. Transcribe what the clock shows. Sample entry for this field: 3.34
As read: 6.30
